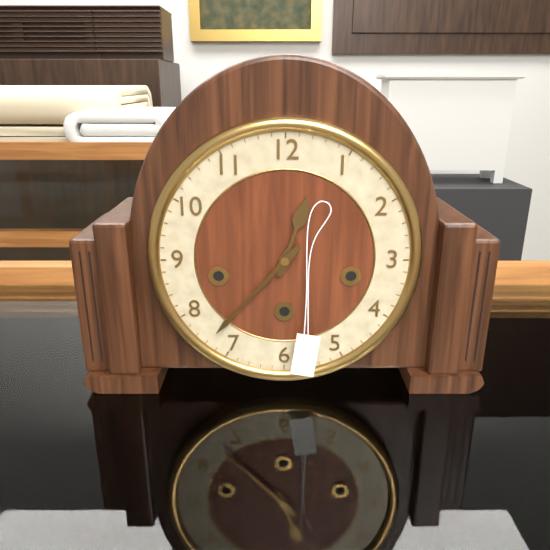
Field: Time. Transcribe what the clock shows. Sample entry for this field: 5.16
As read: 12.37
